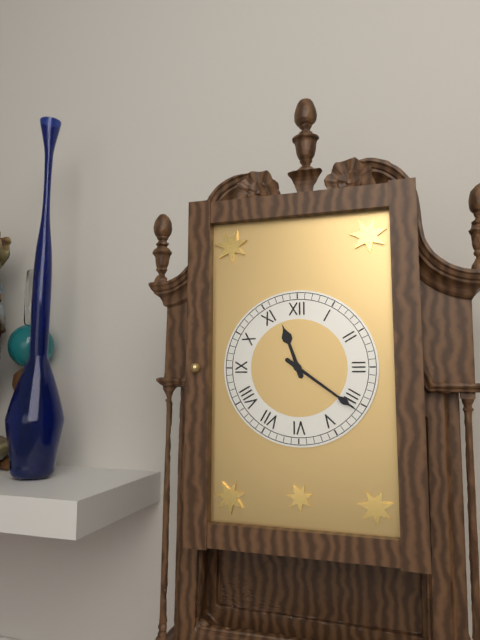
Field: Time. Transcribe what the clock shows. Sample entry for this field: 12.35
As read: 11.21
